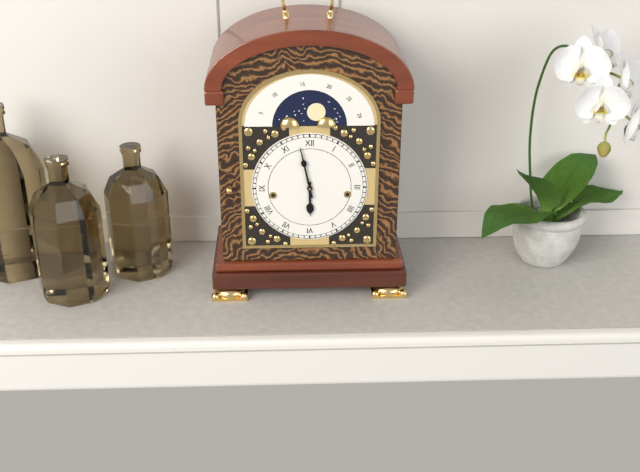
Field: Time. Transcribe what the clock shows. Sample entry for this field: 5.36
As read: 5.58
